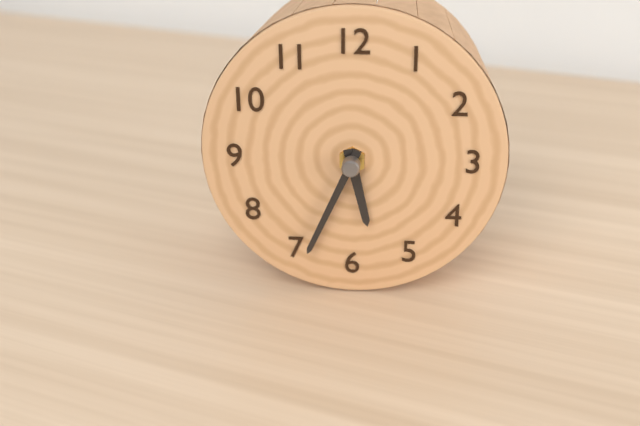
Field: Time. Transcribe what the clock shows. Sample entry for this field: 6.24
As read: 5.34
